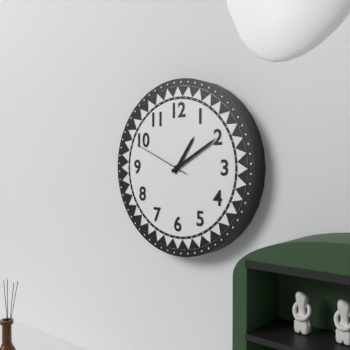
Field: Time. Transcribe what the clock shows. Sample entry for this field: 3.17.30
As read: 1.10.49
